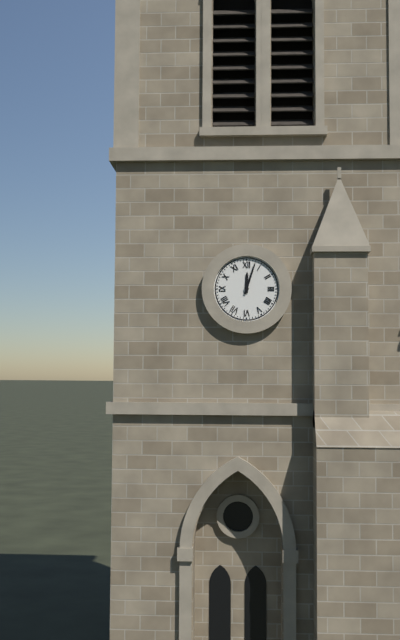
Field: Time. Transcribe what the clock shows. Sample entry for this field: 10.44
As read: 12.03
